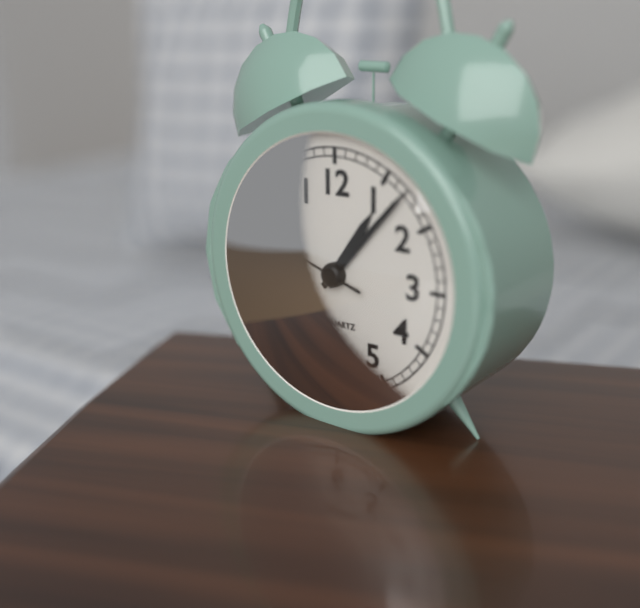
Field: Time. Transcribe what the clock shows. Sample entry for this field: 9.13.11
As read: 1.07.48
